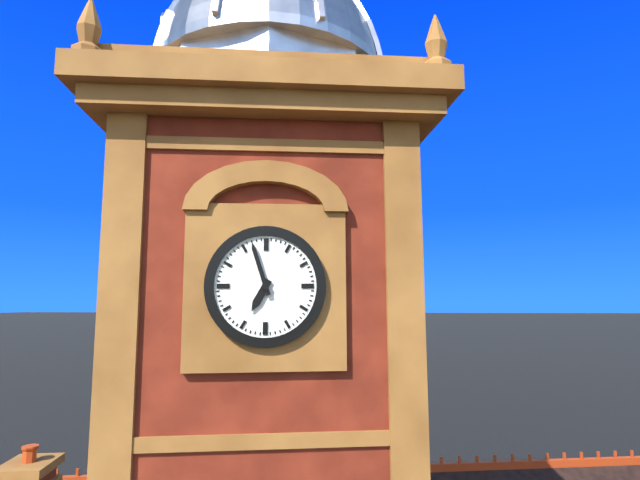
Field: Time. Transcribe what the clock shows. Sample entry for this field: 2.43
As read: 6.57
